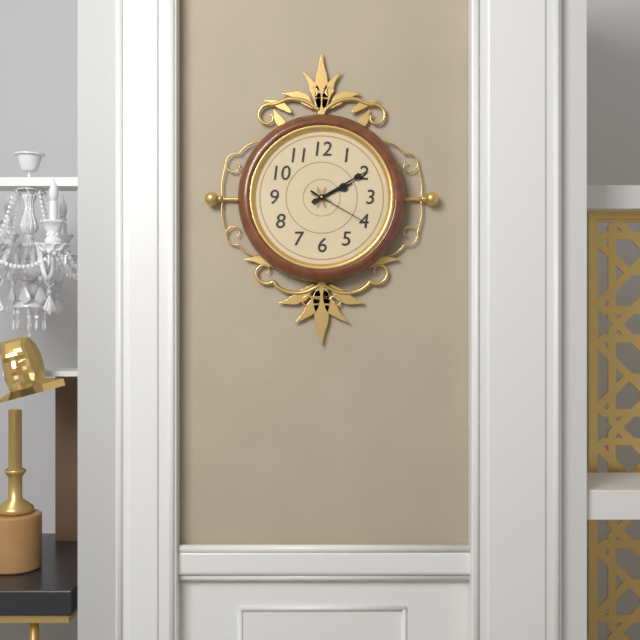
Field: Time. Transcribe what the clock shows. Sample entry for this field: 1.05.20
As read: 2.10.20
